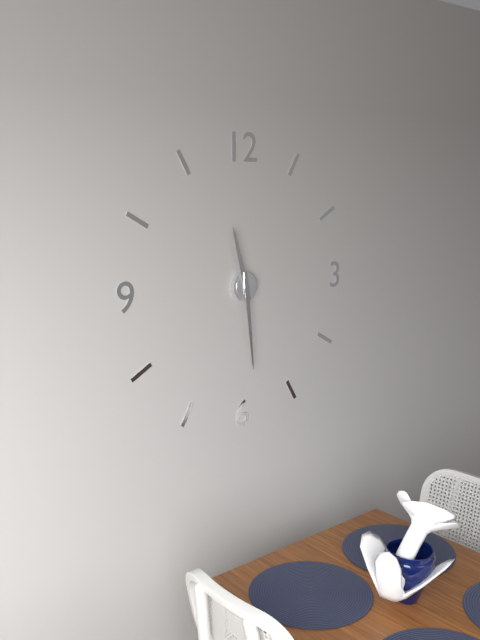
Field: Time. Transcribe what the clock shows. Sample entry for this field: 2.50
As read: 11.29
